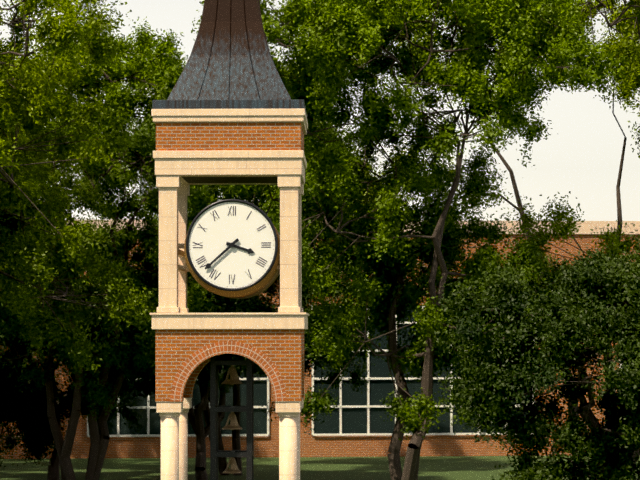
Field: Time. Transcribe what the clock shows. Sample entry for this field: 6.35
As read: 3.38
